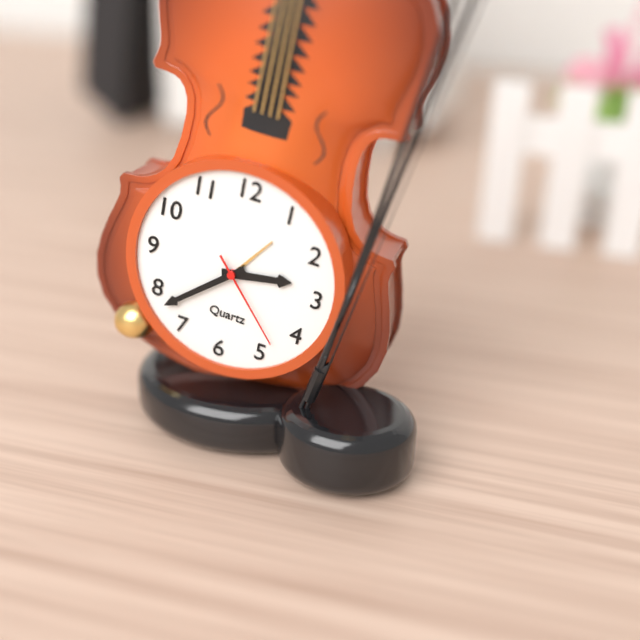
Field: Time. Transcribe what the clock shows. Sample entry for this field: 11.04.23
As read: 2.38.23
